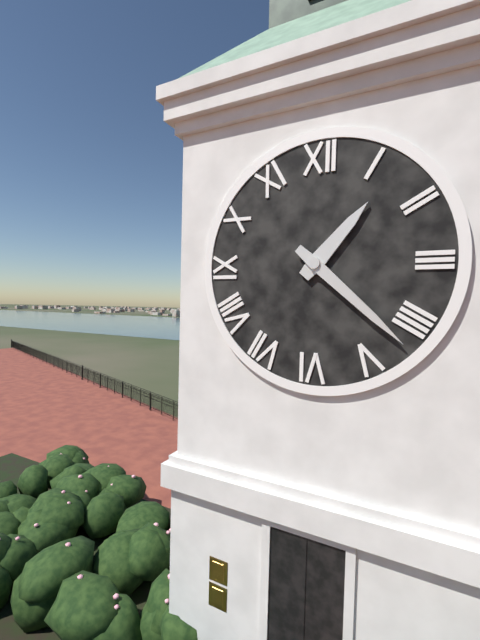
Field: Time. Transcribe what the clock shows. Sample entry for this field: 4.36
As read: 1.22
